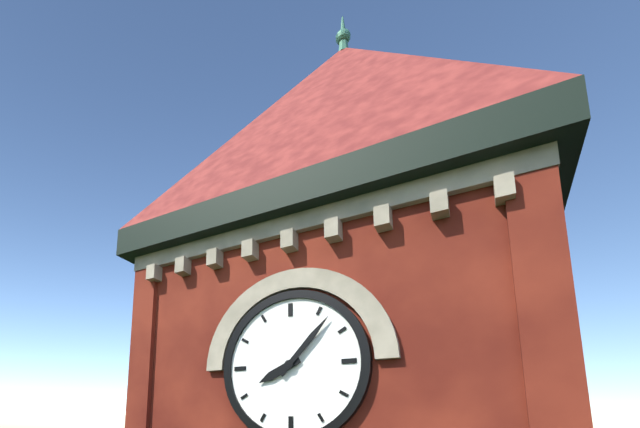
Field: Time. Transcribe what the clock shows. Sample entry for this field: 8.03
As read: 8.07
